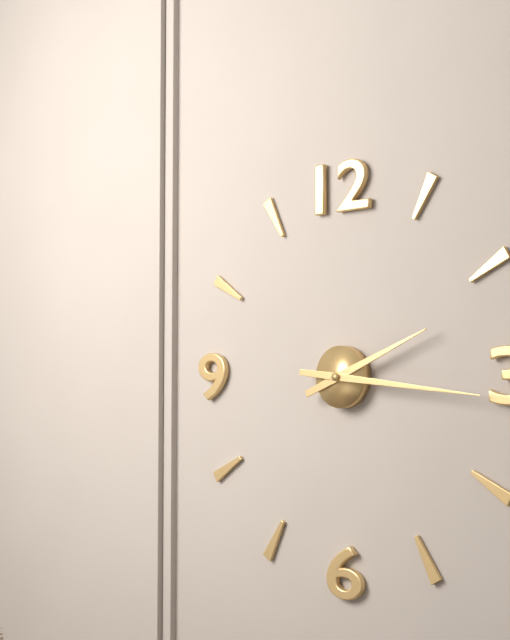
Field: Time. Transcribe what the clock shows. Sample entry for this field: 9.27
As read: 2.16
